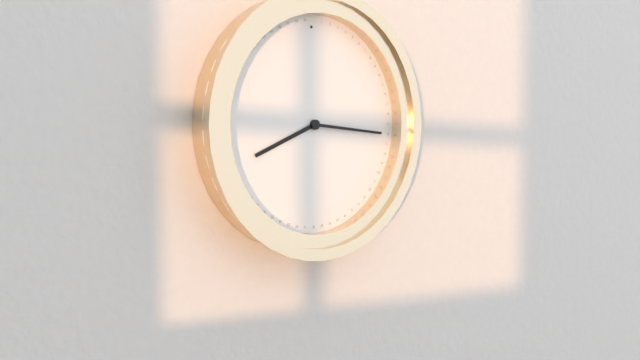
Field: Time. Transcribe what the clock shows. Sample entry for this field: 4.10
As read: 8.16
